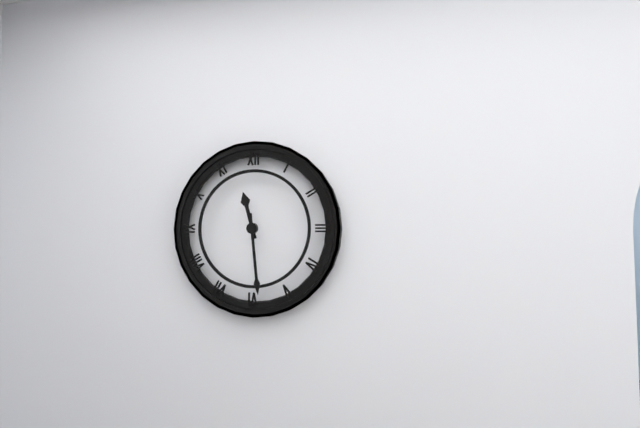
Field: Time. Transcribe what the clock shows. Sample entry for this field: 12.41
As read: 11.29
